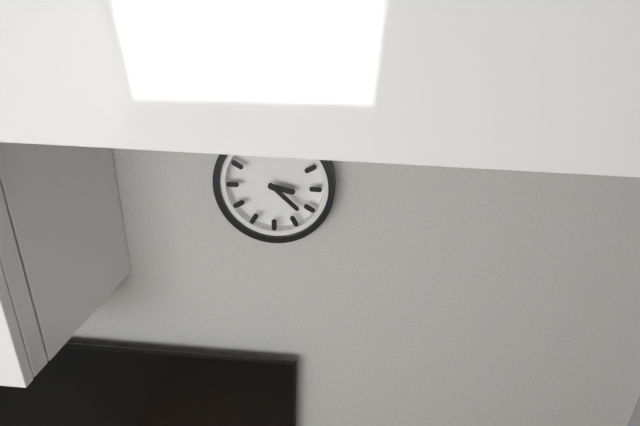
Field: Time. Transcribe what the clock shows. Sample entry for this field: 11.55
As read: 3.22
